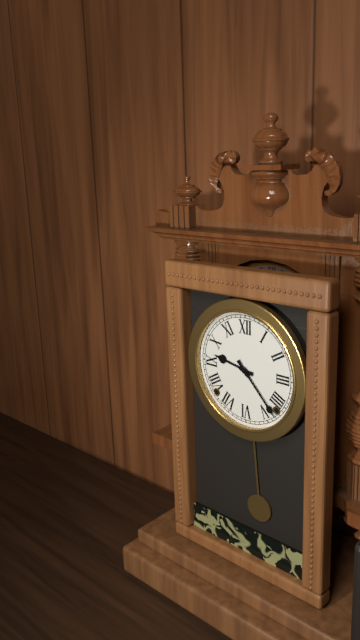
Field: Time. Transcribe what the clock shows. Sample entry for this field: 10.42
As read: 9.23
